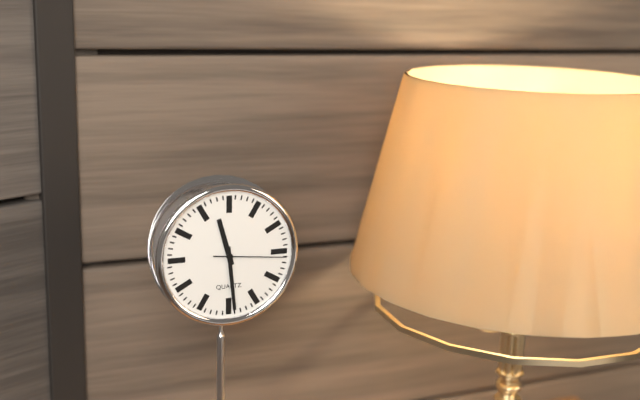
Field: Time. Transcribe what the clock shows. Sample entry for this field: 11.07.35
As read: 11.29.16
